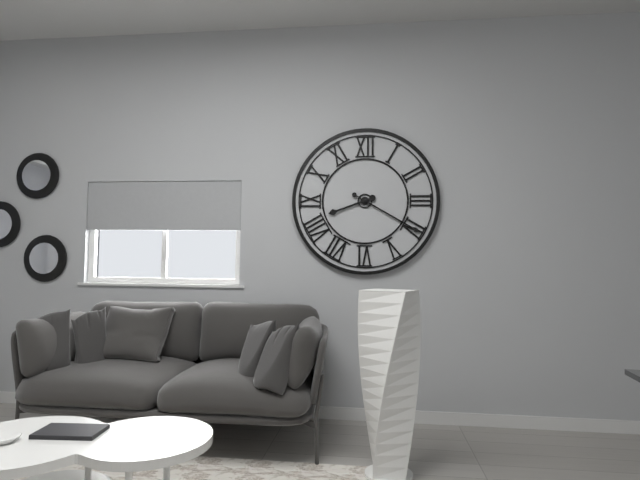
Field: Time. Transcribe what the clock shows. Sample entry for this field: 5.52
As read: 8.20
